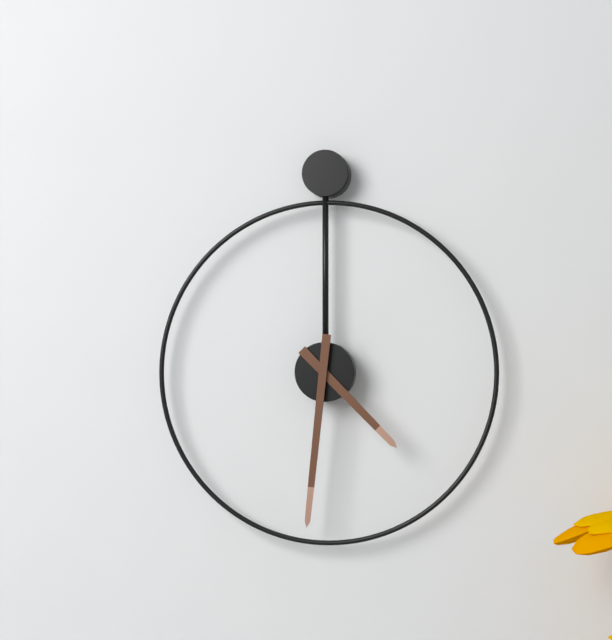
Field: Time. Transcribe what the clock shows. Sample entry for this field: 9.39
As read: 4.31
